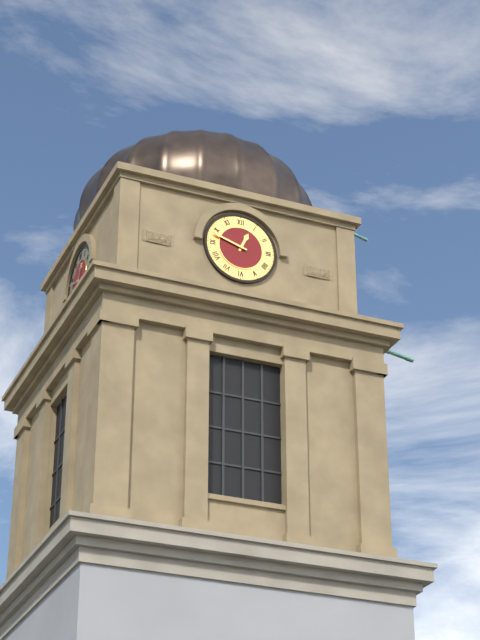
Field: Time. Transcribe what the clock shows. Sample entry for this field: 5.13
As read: 12.48
